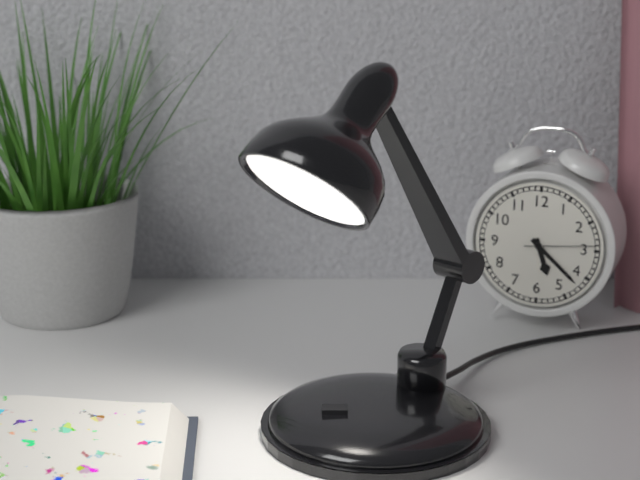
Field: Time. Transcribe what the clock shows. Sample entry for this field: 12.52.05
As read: 5.22.14
